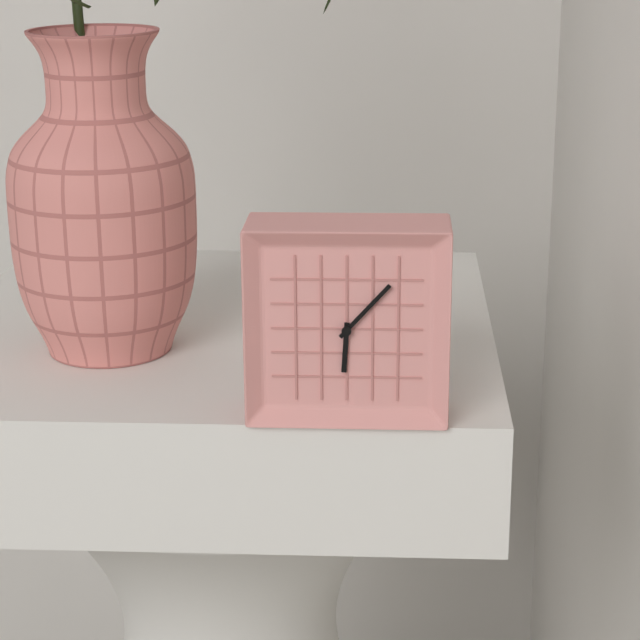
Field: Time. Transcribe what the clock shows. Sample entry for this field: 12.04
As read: 6.07
